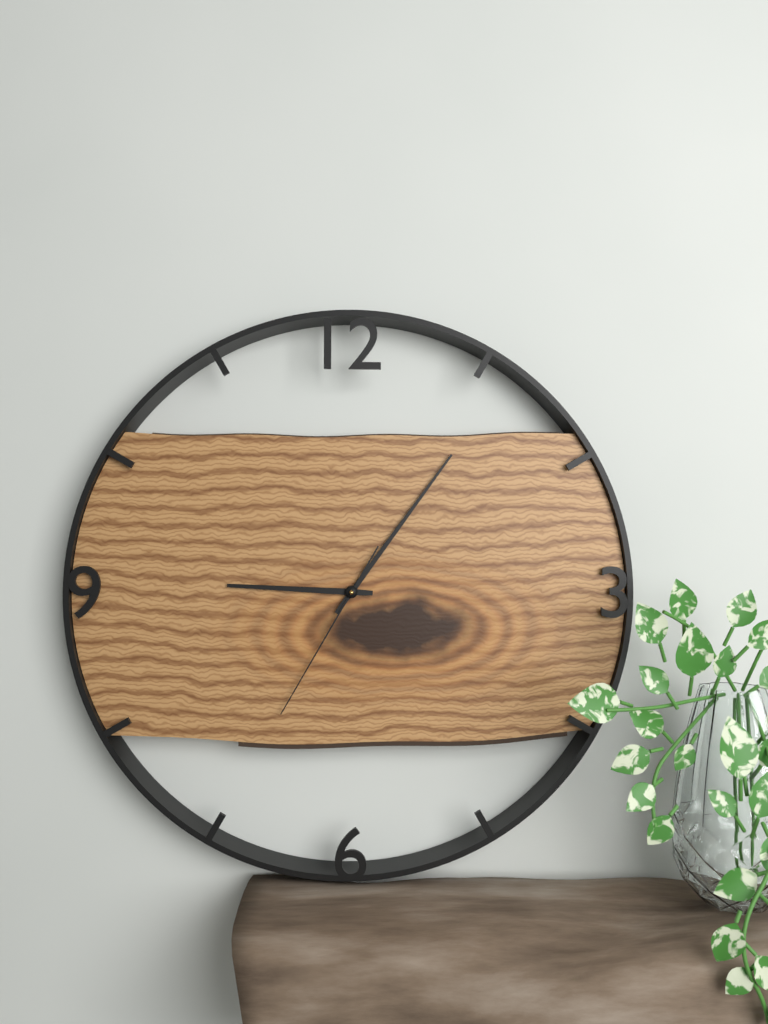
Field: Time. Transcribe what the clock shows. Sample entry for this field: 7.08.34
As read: 9.06.35
